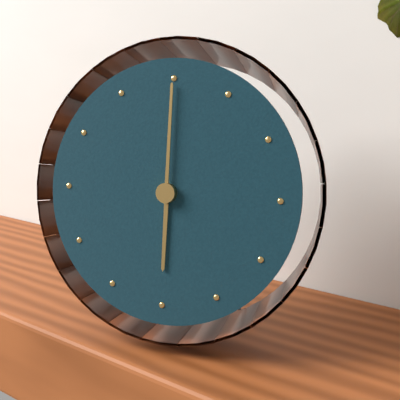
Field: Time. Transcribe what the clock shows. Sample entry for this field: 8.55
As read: 6.00
